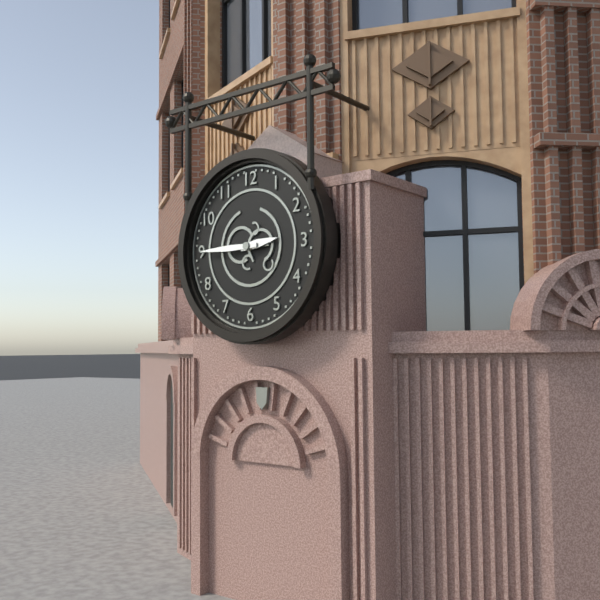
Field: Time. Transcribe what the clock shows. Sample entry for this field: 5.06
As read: 2.45
